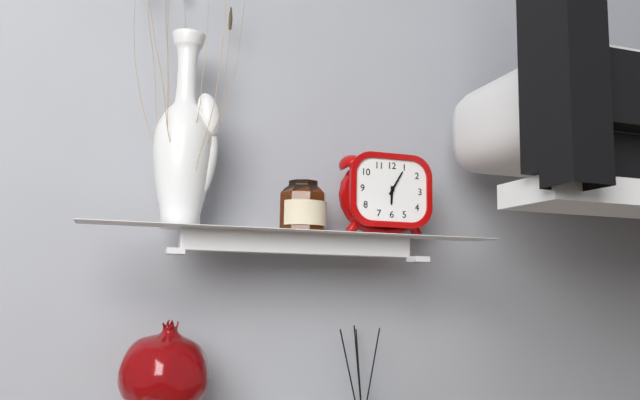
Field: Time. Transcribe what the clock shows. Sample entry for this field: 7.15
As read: 6.05
